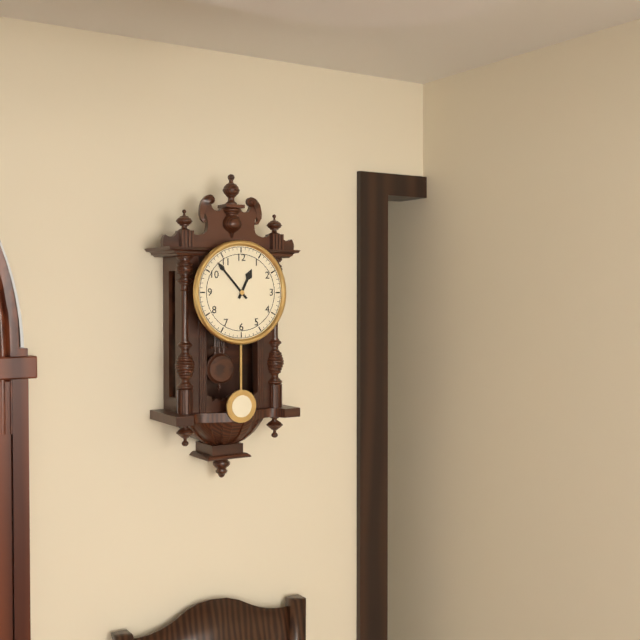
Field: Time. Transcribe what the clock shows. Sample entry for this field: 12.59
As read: 12.53
